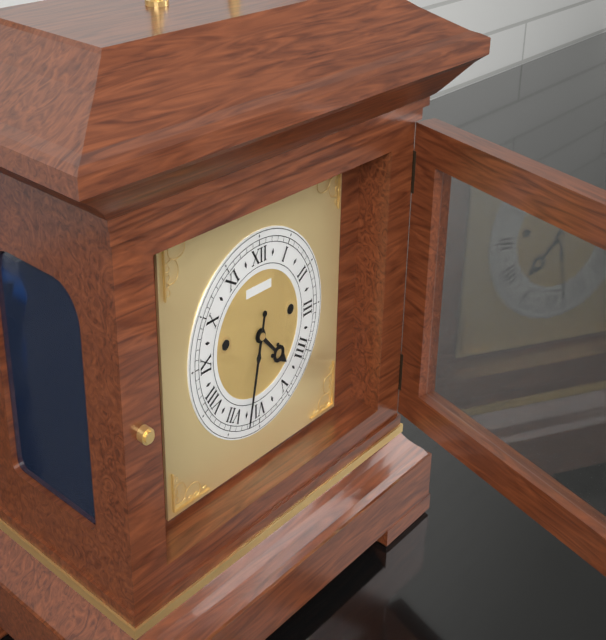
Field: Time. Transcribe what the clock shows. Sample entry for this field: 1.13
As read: 4.32
